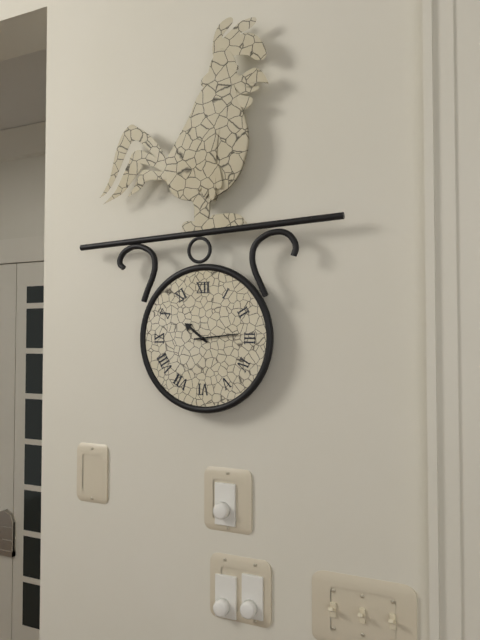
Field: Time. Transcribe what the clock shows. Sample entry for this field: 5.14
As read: 10.14
